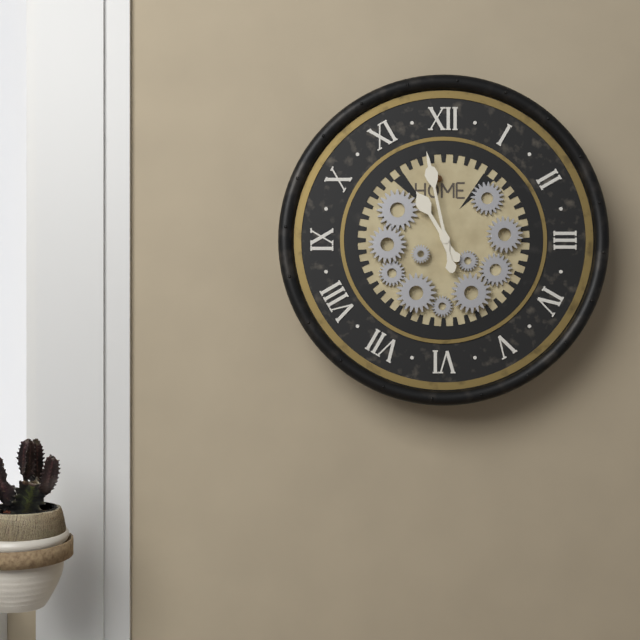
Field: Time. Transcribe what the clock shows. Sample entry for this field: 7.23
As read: 10.58
